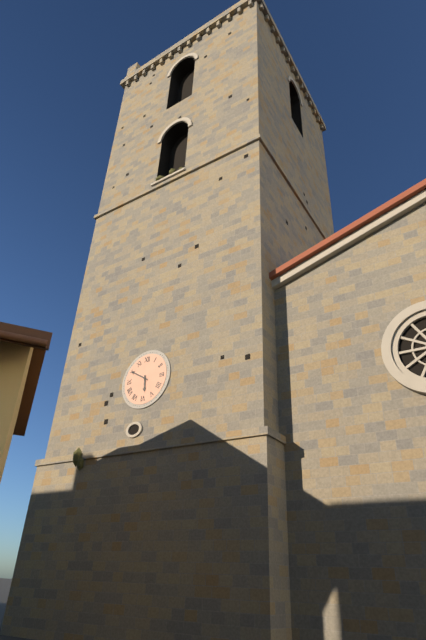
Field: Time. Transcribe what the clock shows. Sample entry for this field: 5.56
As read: 5.50
